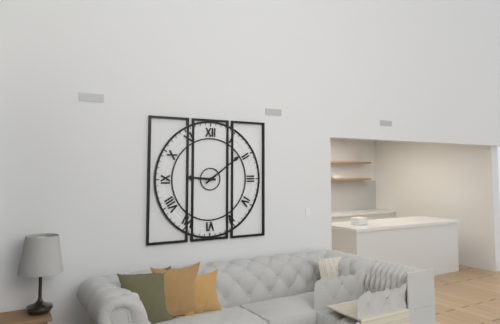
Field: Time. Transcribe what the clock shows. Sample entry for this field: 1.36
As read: 9.09
